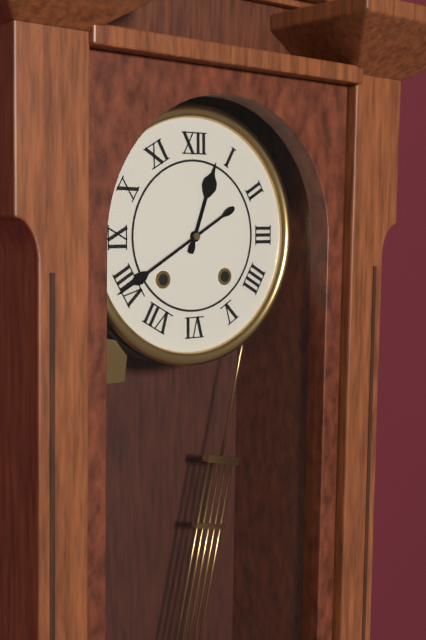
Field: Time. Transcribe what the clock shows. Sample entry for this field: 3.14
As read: 12.40
